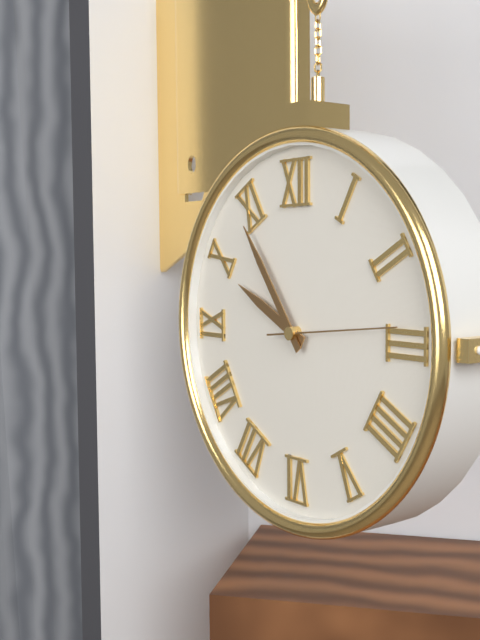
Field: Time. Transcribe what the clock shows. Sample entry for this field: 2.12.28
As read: 9.54.14
